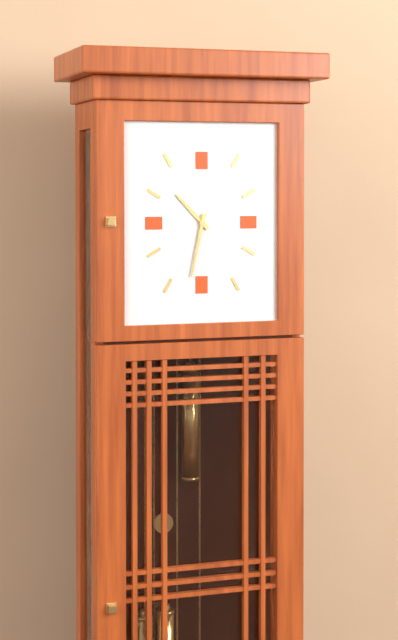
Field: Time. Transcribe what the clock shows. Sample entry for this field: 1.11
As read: 10.32
